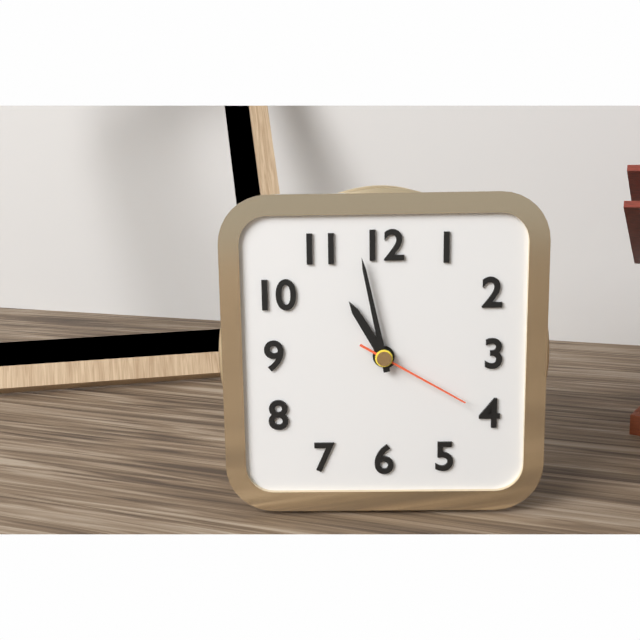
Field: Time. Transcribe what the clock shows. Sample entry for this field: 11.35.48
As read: 10.58.20
